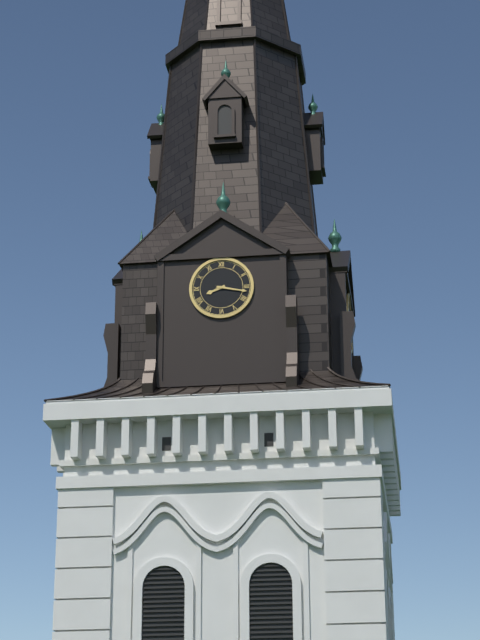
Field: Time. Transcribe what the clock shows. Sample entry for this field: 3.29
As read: 8.17
